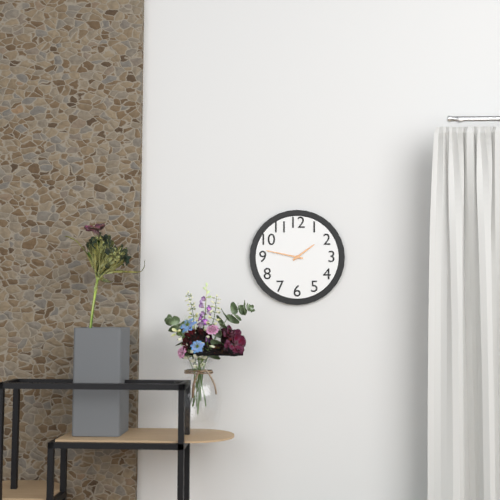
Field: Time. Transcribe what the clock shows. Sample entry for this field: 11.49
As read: 1.47
